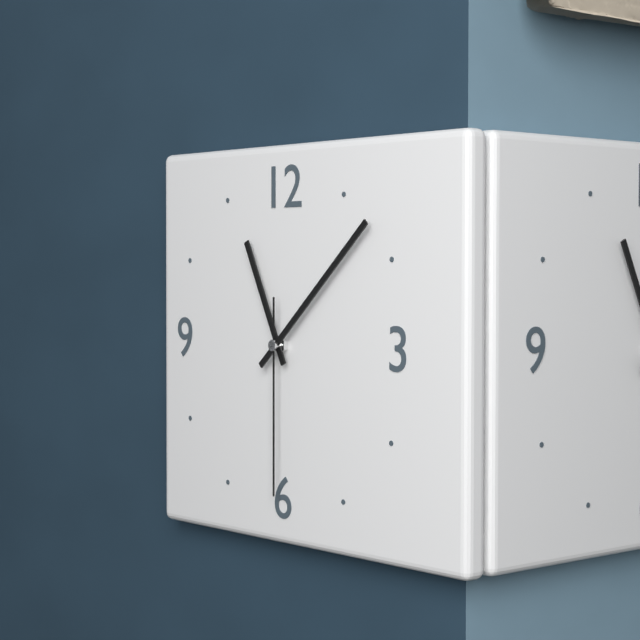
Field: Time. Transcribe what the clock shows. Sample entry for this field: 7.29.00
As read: 11.08.30
